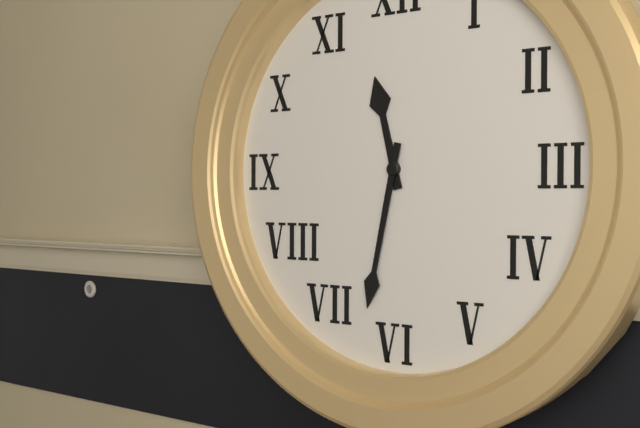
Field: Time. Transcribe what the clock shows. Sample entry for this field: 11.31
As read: 11.32
